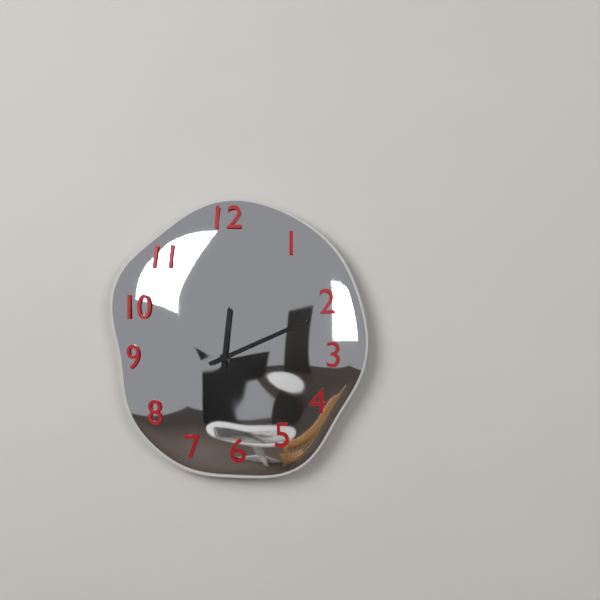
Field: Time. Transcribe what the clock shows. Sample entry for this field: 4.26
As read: 12.11
